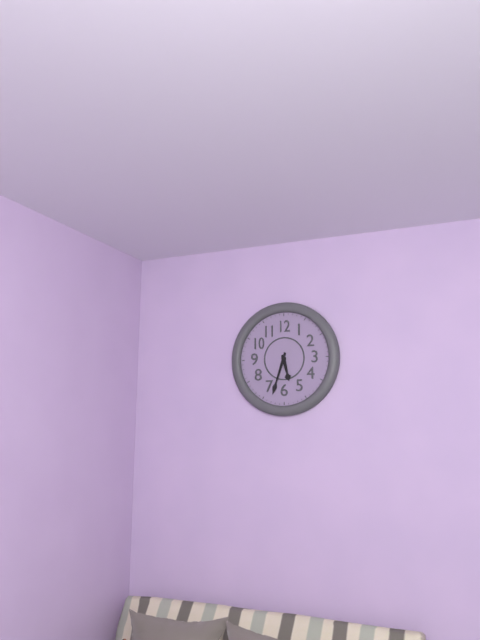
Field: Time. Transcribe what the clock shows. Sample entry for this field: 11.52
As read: 5.33
